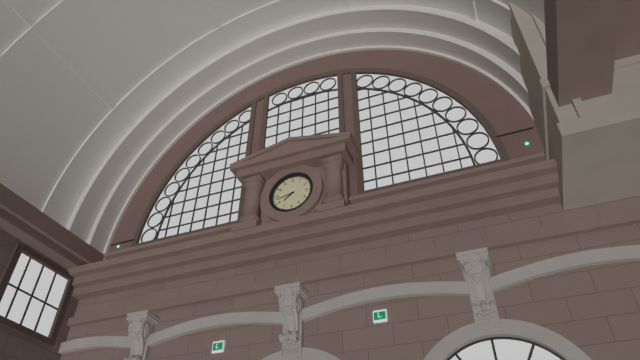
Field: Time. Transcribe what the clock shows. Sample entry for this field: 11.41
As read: 7.43
